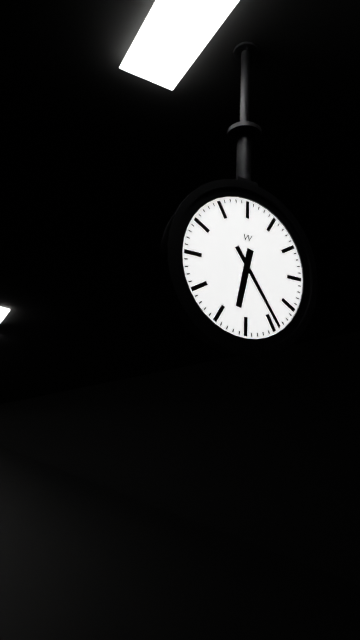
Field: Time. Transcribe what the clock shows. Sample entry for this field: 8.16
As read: 6.24
